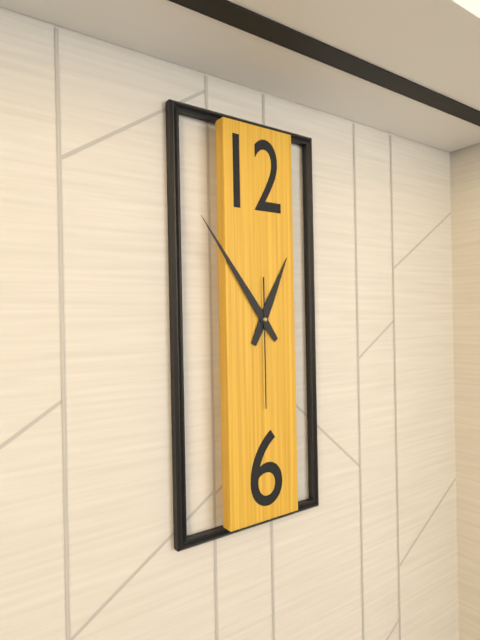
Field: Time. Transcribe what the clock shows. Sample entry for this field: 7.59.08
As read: 12.54.30
